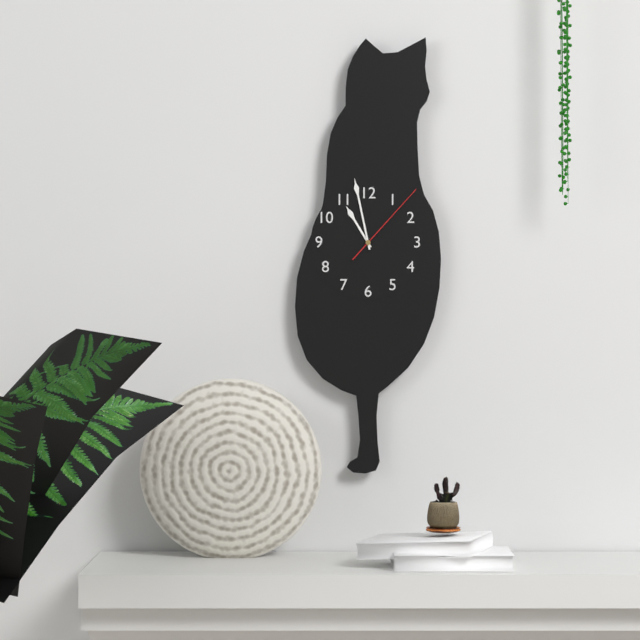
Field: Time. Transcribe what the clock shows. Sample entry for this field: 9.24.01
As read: 10.58.07
